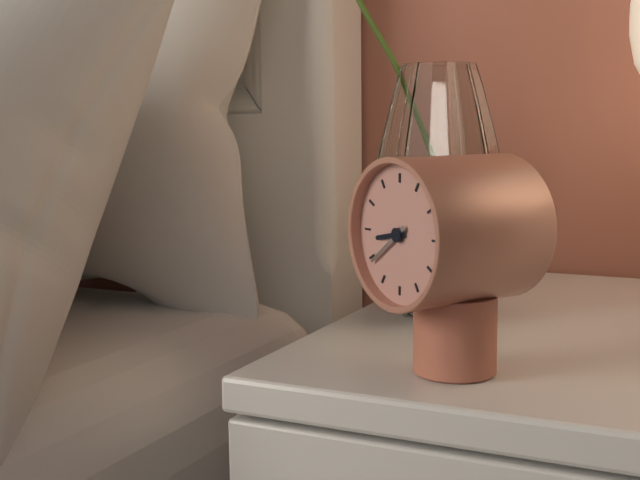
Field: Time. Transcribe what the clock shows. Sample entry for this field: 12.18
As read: 8.39
